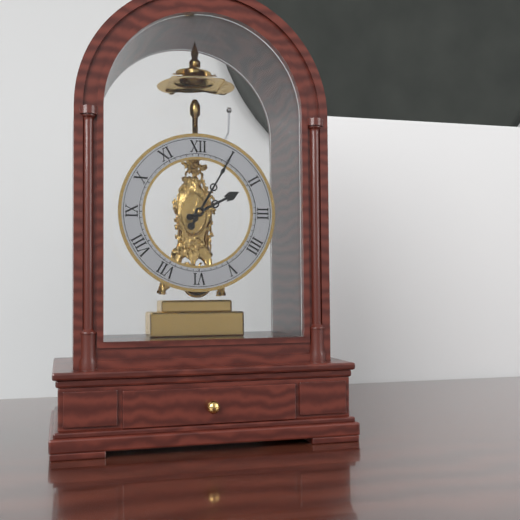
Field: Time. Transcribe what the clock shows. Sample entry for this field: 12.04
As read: 2.05
